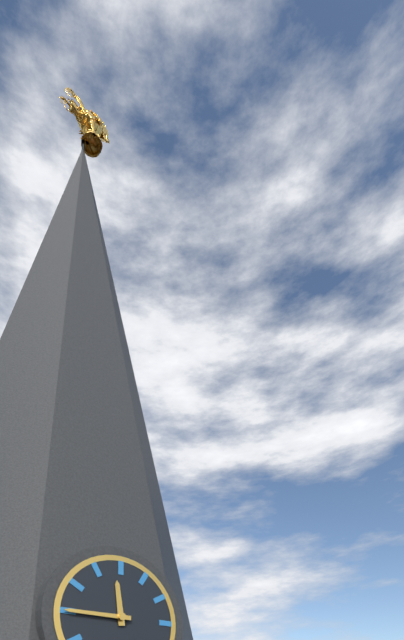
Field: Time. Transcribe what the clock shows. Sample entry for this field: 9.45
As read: 11.45
